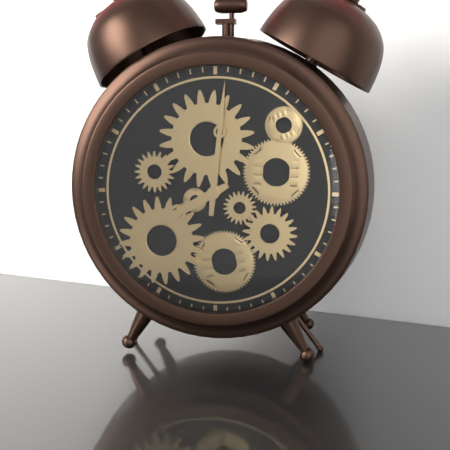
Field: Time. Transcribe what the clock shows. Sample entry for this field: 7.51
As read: 8.01
